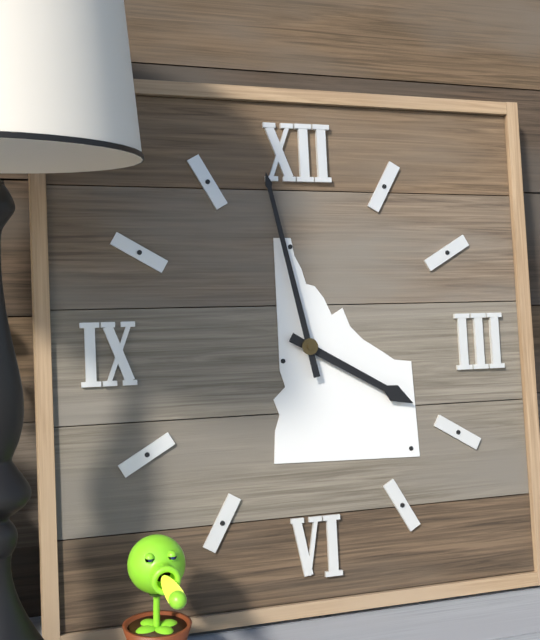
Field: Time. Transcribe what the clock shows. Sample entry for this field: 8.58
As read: 3.58
